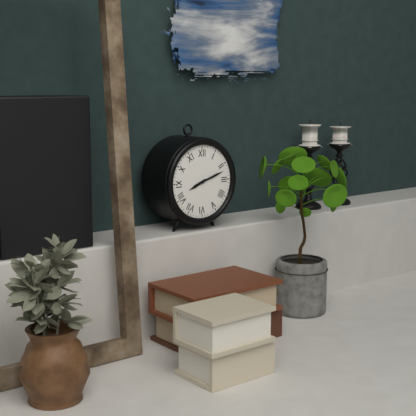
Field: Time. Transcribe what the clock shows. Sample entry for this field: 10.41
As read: 8.12
